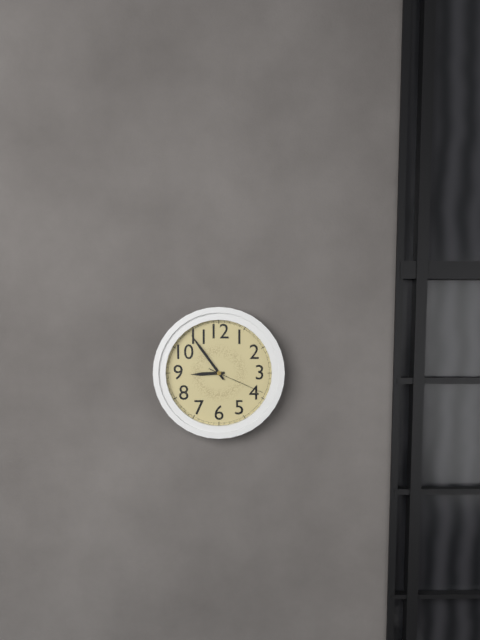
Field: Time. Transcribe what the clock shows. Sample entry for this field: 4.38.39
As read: 8.54.19
